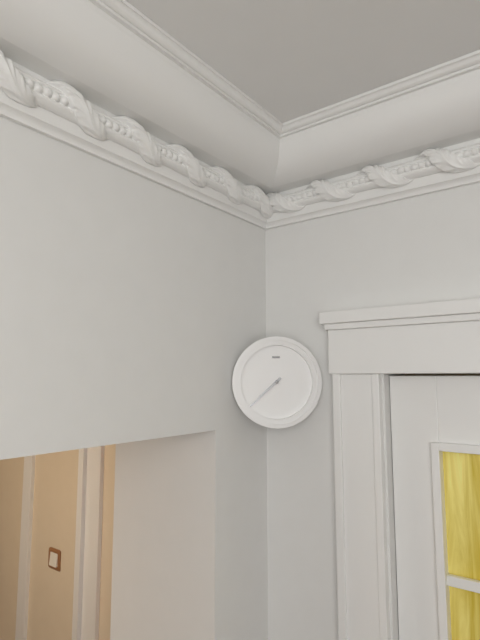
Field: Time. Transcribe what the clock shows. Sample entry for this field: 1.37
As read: 7.38
